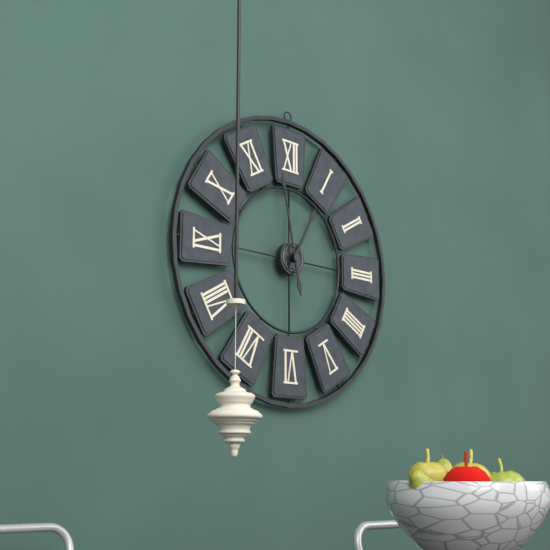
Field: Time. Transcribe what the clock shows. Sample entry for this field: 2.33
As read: 12.58
